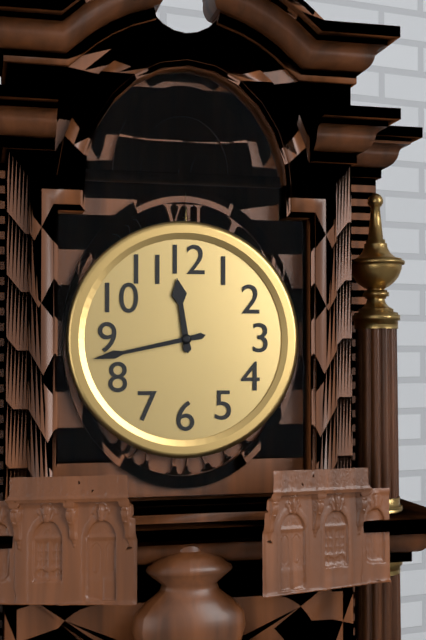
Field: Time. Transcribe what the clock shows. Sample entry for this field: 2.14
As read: 11.43
